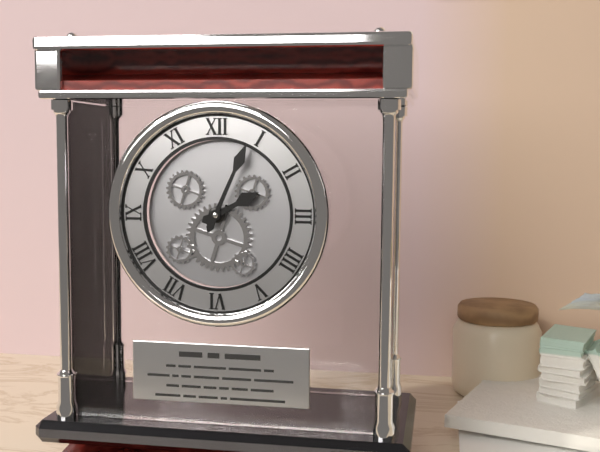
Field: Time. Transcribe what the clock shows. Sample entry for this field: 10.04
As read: 2.04
